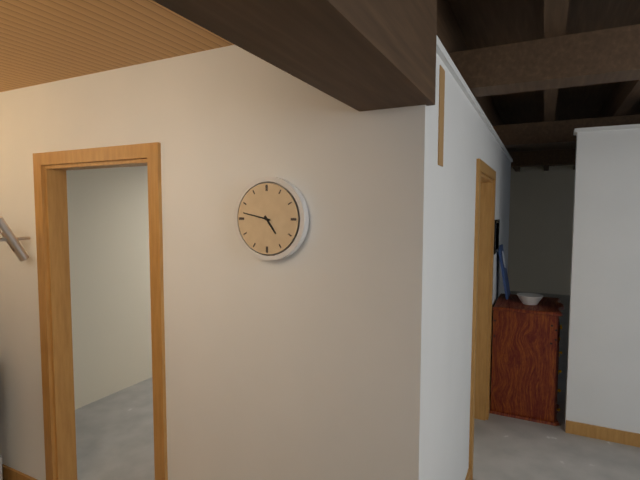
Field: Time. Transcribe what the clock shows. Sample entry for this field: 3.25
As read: 4.47
